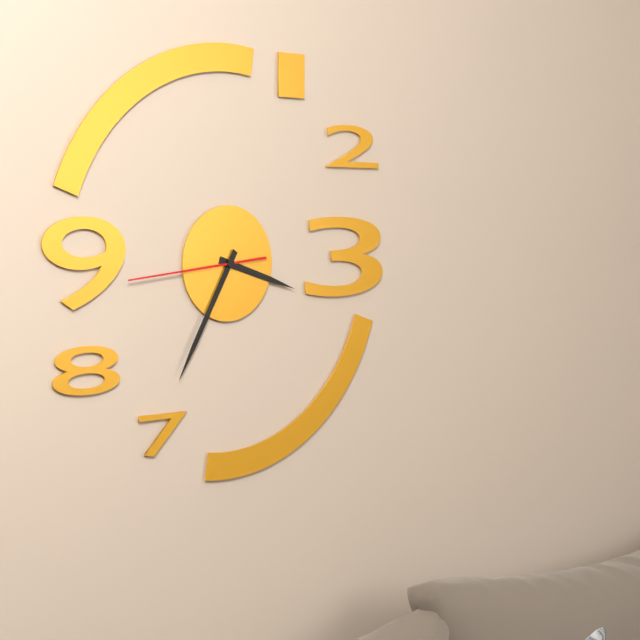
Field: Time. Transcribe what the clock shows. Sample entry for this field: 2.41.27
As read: 3.35.44
